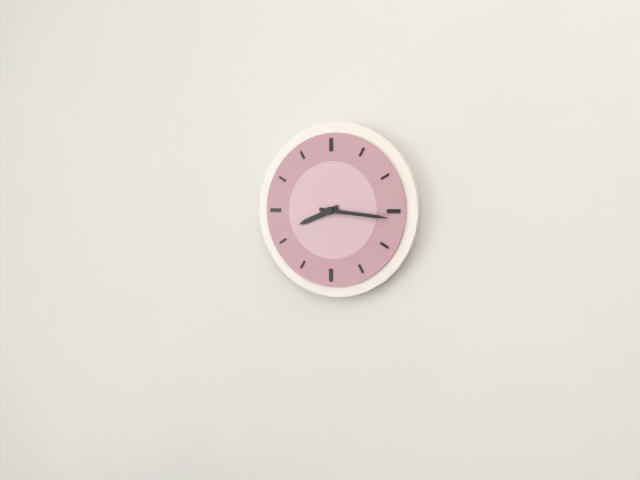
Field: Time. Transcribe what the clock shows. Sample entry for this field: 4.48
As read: 8.16
